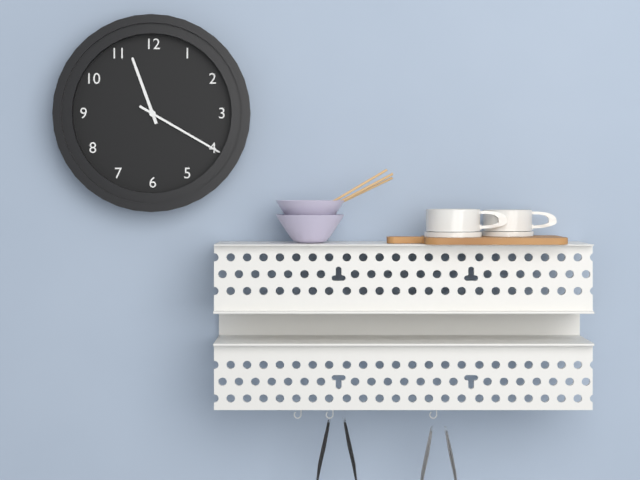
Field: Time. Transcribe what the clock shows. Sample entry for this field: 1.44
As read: 11.20
